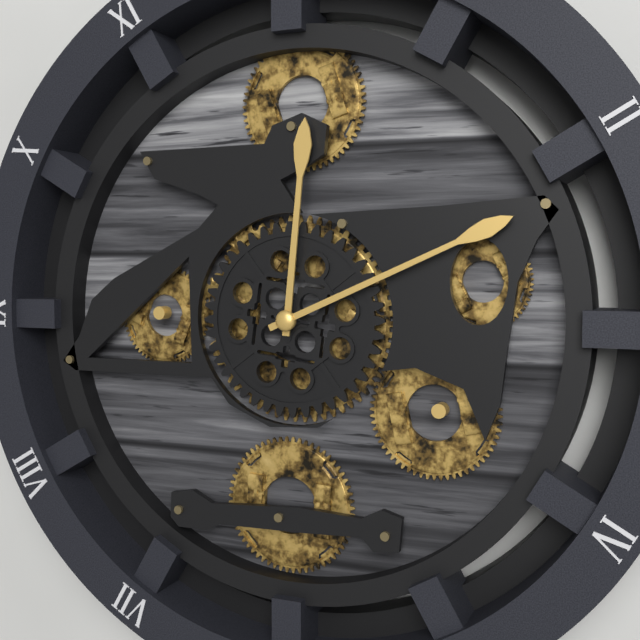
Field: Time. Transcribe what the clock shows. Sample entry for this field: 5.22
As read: 12.11
